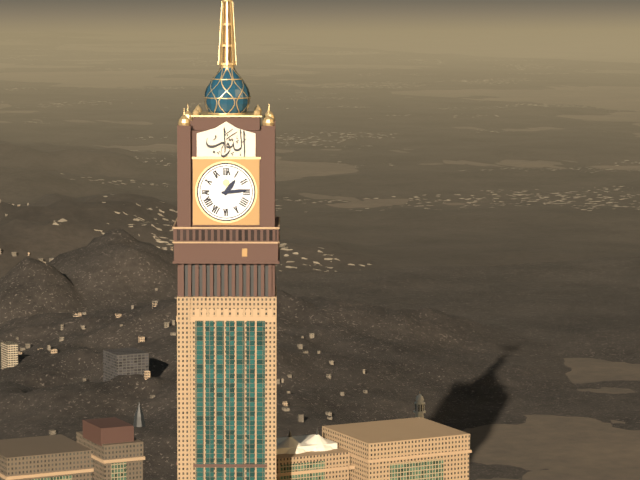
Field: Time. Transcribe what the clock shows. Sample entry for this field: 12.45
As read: 1.14
